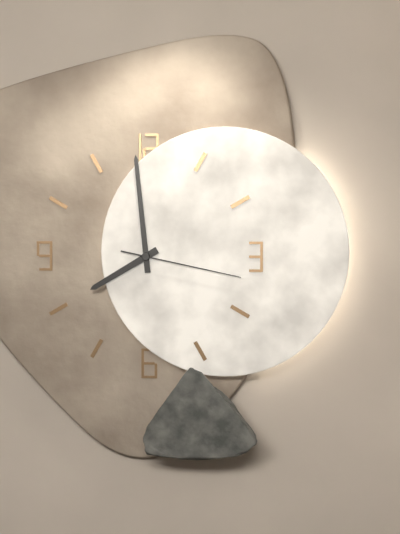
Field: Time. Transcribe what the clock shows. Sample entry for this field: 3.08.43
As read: 7.59.17
